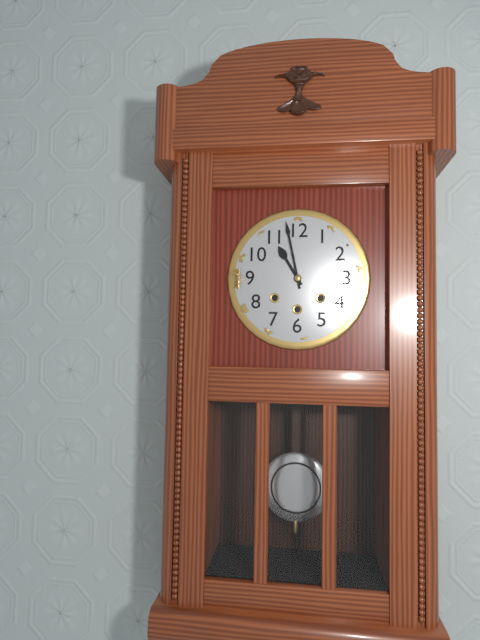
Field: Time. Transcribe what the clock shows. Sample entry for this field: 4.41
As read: 10.58
